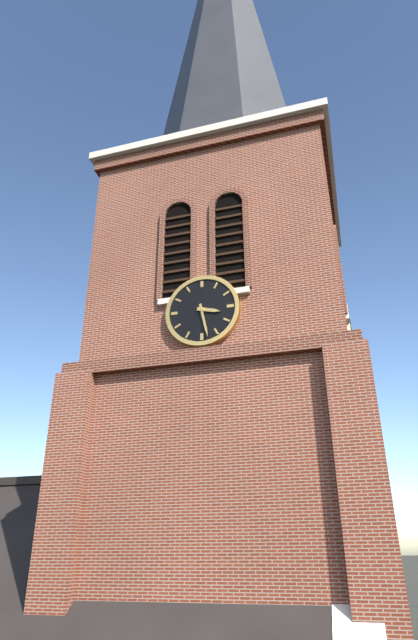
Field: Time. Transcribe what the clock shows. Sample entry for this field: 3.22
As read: 3.28
